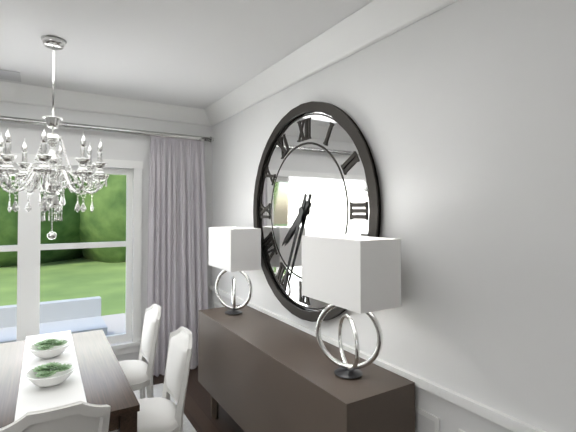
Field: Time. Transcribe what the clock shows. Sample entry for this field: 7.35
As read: 7.34
